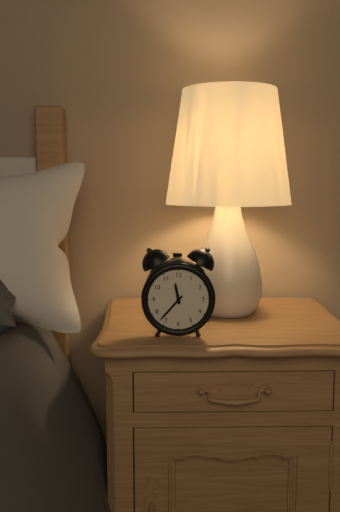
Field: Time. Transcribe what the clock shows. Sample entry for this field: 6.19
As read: 11.37
